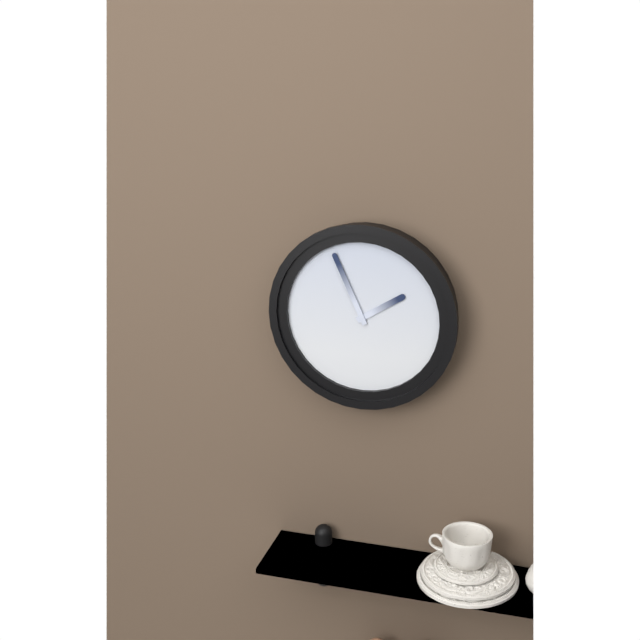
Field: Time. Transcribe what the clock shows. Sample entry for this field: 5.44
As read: 1.56
